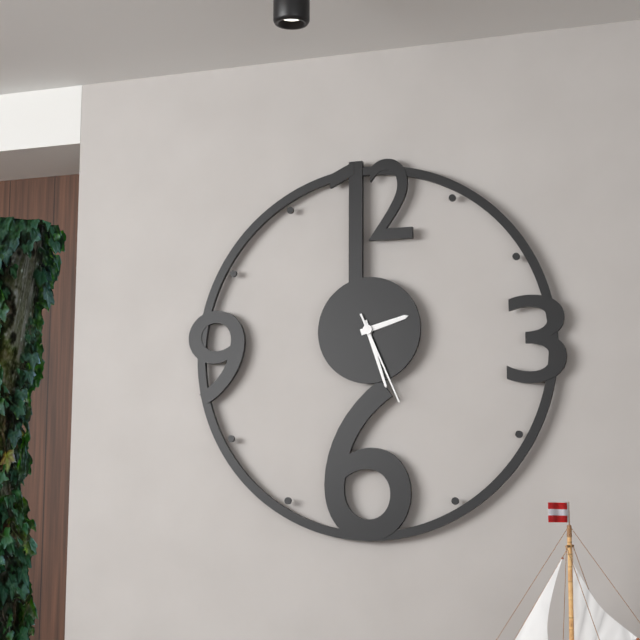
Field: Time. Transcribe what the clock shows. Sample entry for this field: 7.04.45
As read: 2.27.26
